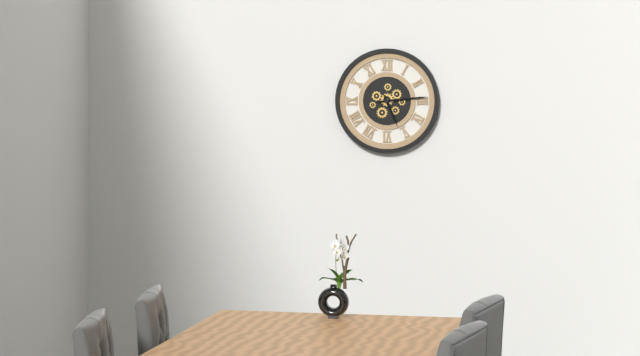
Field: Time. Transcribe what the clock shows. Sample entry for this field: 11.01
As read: 5.14
